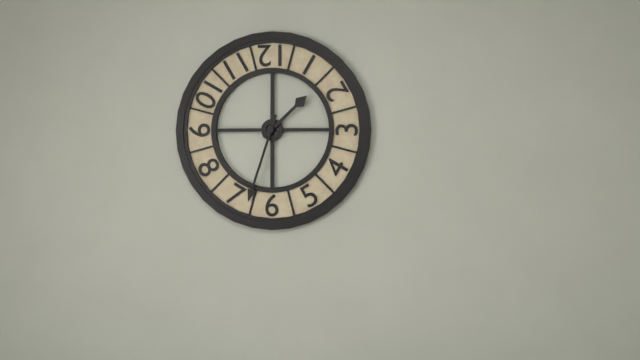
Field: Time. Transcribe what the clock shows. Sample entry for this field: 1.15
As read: 1.33
